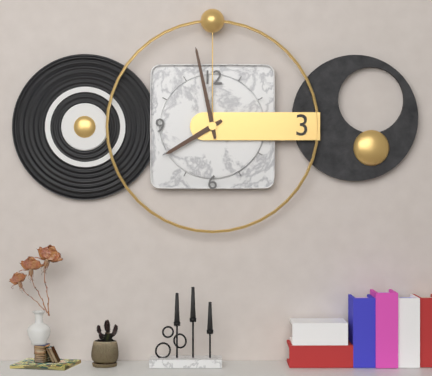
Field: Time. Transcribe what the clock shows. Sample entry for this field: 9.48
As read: 7.58
